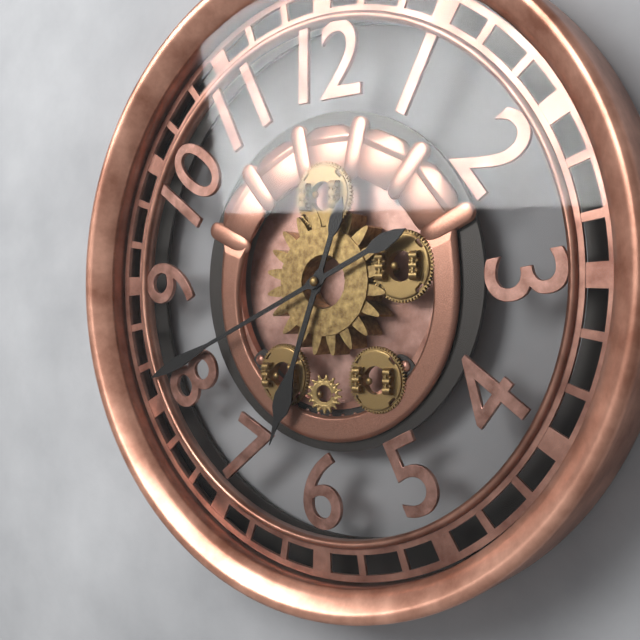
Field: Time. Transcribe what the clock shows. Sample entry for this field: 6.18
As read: 6.41
